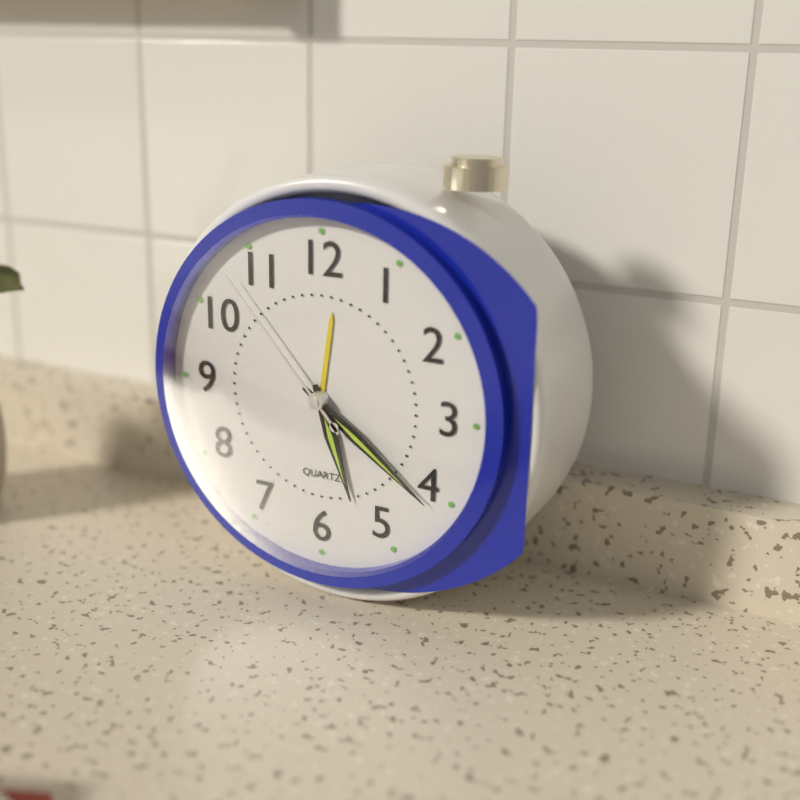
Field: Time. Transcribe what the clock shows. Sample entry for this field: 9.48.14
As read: 5.21.53
